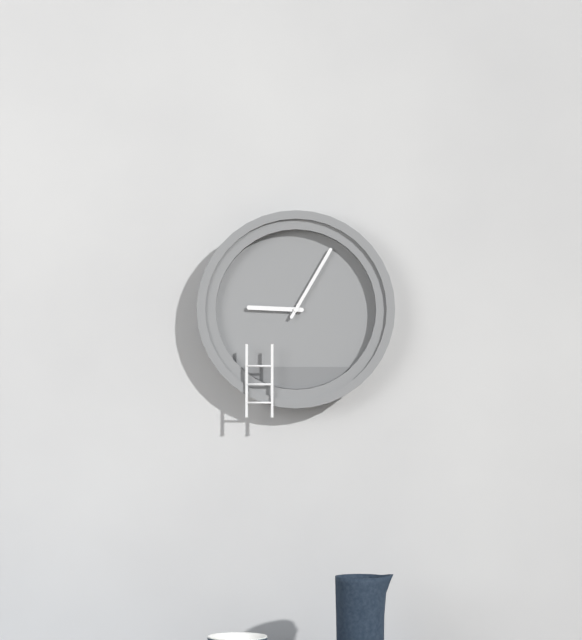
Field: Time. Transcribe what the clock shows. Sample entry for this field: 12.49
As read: 9.05
